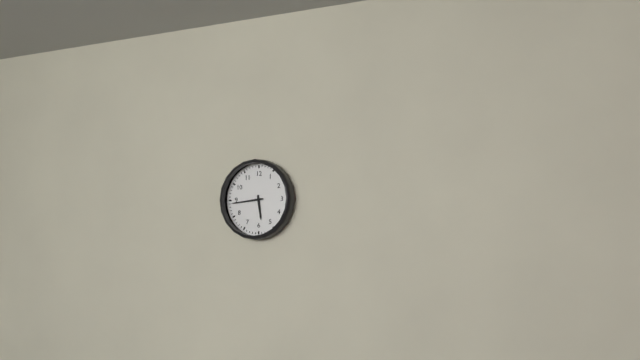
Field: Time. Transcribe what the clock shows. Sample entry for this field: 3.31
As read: 5.44
